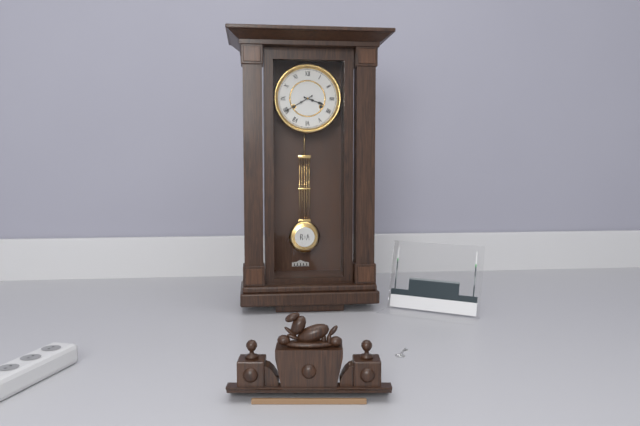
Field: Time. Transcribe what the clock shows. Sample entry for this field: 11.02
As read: 3.40
